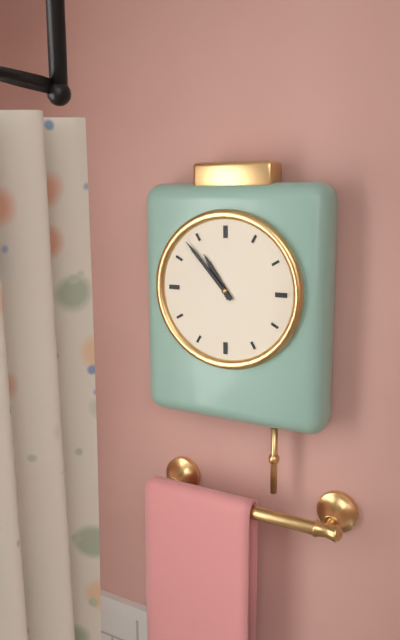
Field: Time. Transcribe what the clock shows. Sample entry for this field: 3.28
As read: 10.53
